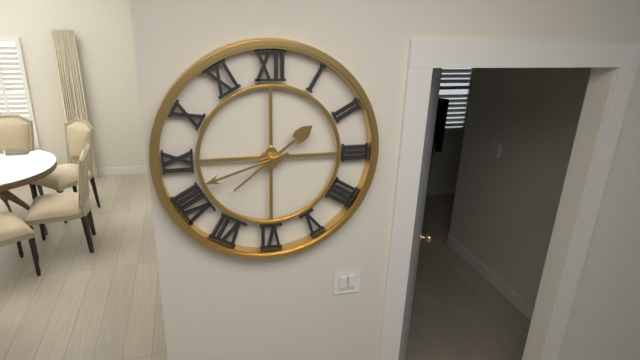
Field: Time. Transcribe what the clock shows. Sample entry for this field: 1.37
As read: 1.42
